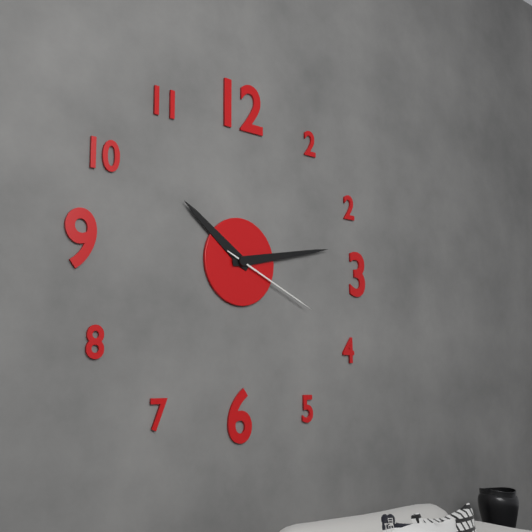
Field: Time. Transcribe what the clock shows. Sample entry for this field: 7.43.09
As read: 10.13.19
